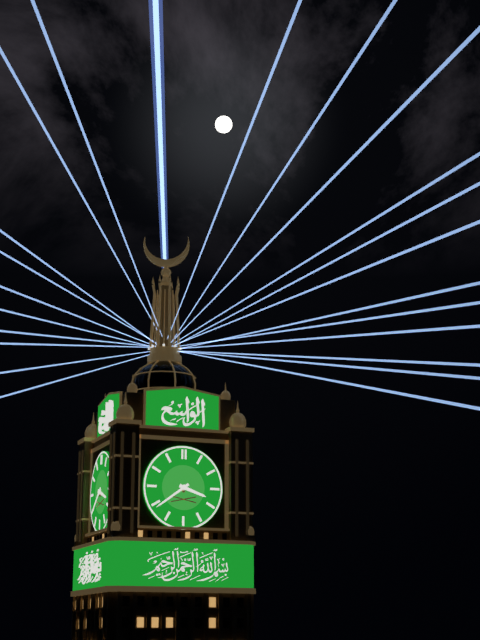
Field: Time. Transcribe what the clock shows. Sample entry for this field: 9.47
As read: 3.39
